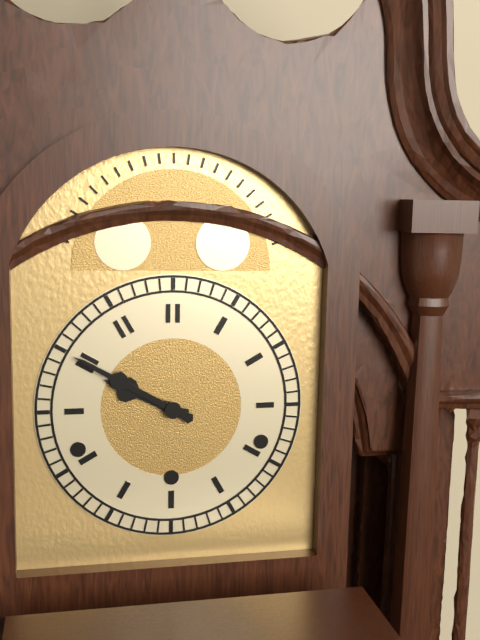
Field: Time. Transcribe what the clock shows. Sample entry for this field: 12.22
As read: 9.50
